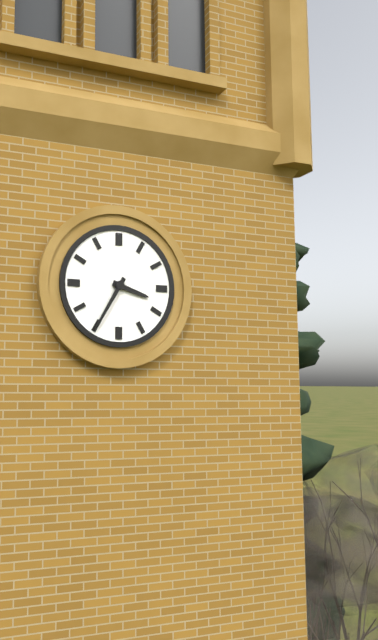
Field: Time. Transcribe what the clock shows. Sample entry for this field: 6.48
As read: 3.35
